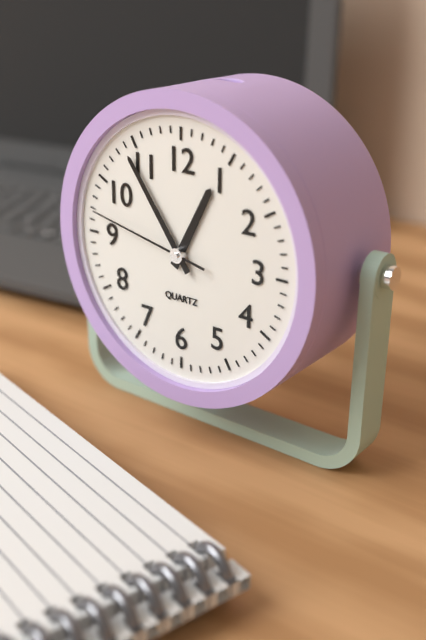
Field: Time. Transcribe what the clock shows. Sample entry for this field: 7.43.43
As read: 12.54.47
